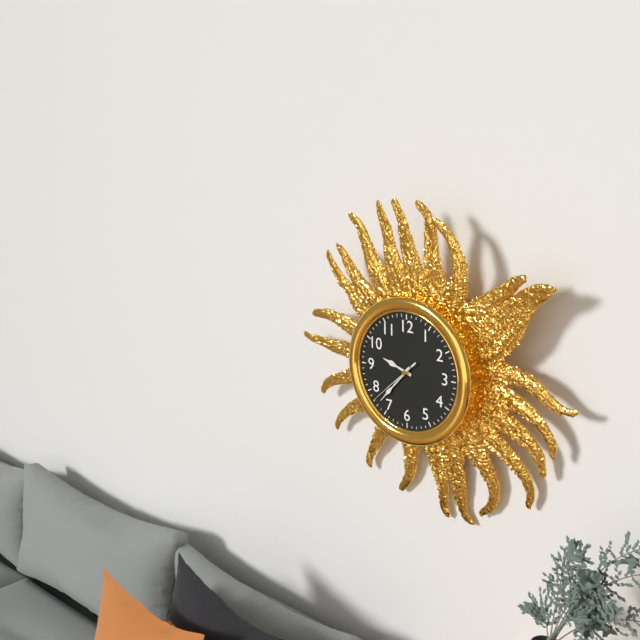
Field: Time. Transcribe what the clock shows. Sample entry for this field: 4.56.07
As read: 9.37.38
